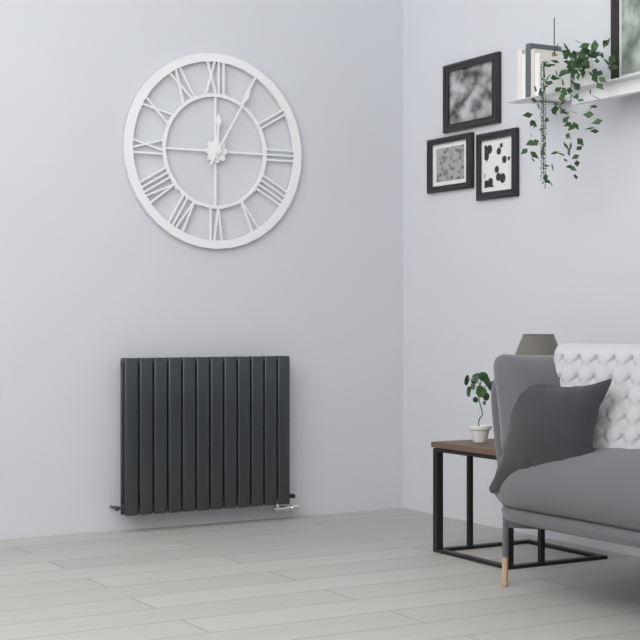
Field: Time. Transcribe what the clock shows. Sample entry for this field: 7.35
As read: 12.05
